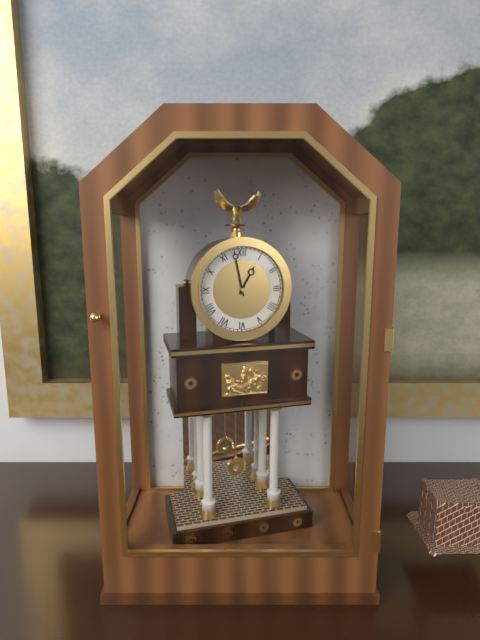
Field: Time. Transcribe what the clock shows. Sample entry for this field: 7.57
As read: 12.58
